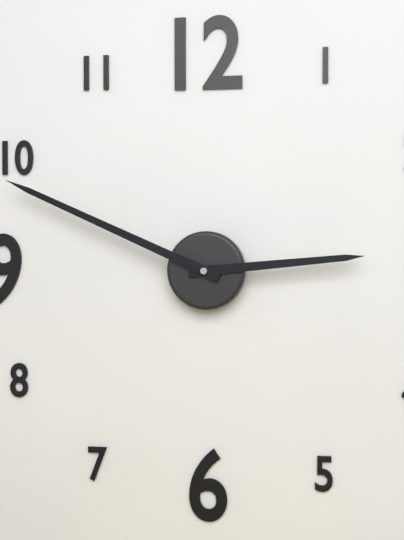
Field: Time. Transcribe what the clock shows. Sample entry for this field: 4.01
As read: 2.49
